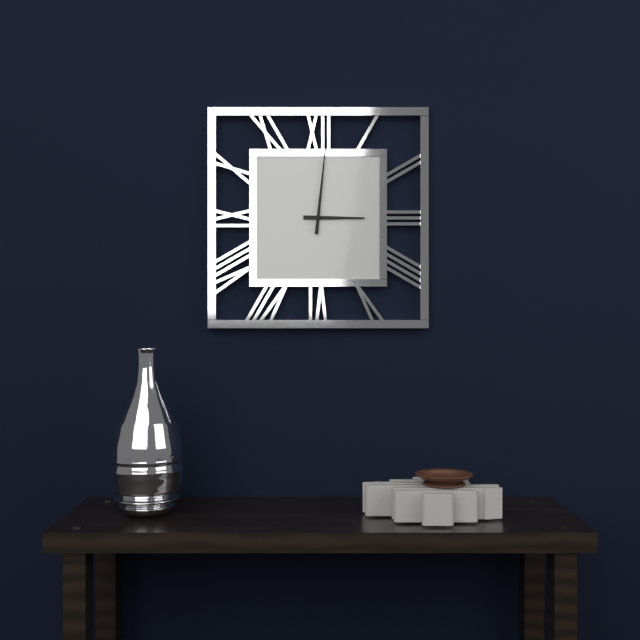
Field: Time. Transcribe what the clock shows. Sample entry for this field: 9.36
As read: 3.01
